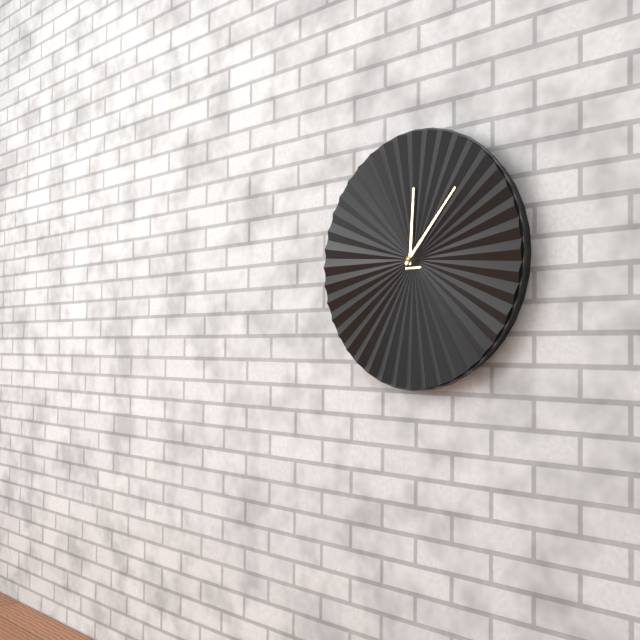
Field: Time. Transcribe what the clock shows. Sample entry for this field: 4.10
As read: 12.07
